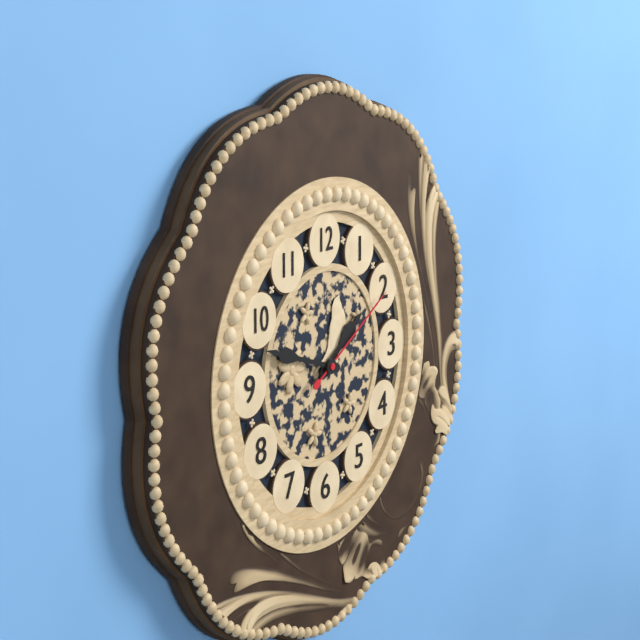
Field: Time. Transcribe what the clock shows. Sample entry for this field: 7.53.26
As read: 1.48.10
